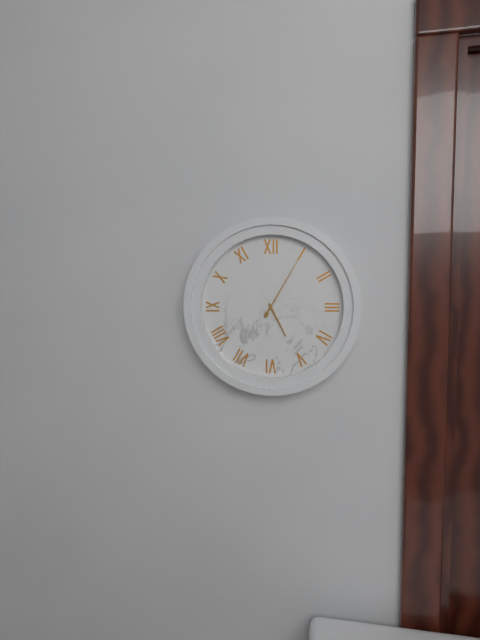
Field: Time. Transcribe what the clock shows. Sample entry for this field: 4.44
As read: 5.05
